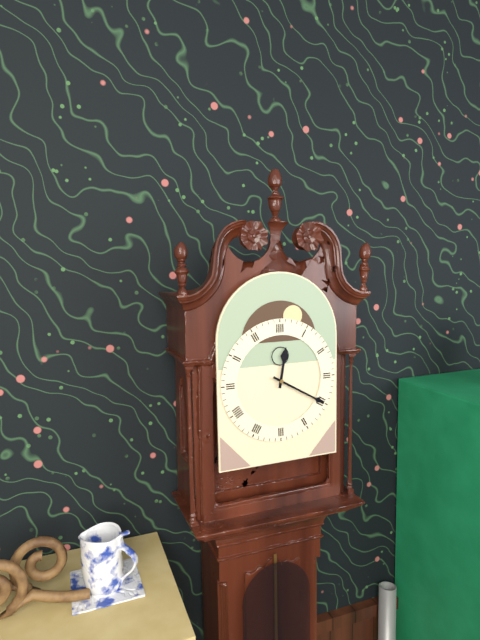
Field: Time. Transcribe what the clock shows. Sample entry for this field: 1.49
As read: 12.20
